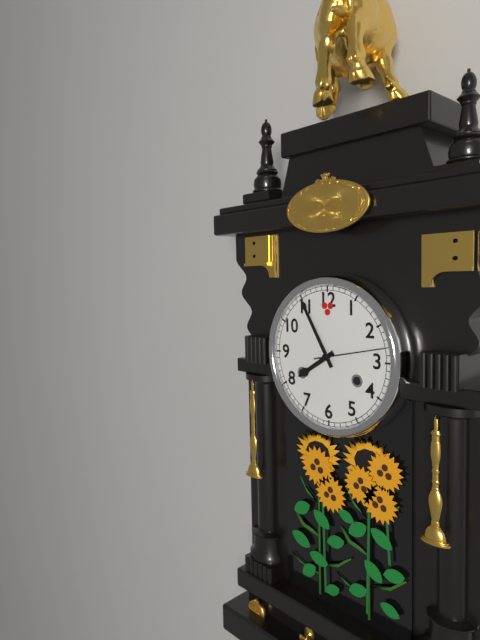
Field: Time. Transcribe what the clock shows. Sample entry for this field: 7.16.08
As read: 7.55.13
